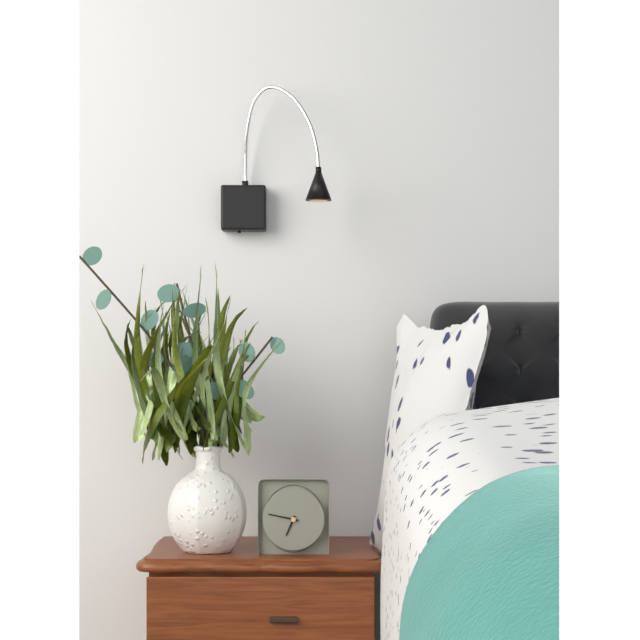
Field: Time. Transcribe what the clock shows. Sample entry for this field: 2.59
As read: 6.47
